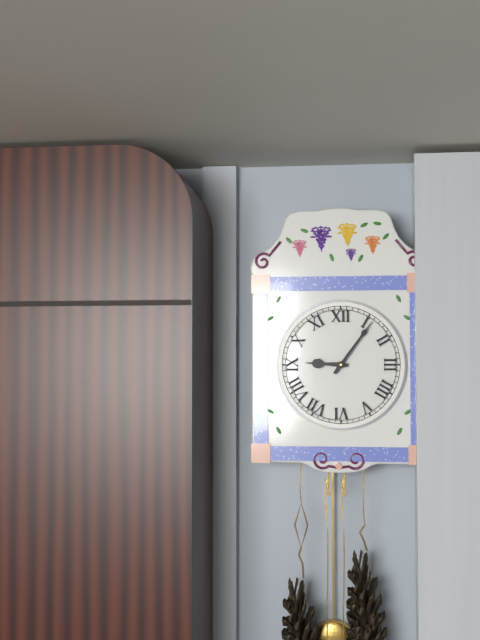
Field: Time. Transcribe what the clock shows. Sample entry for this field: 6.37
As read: 9.06
